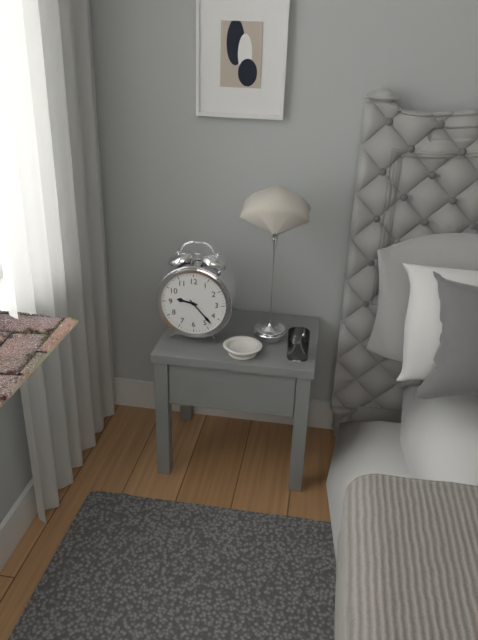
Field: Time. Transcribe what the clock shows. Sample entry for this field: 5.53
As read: 9.23
